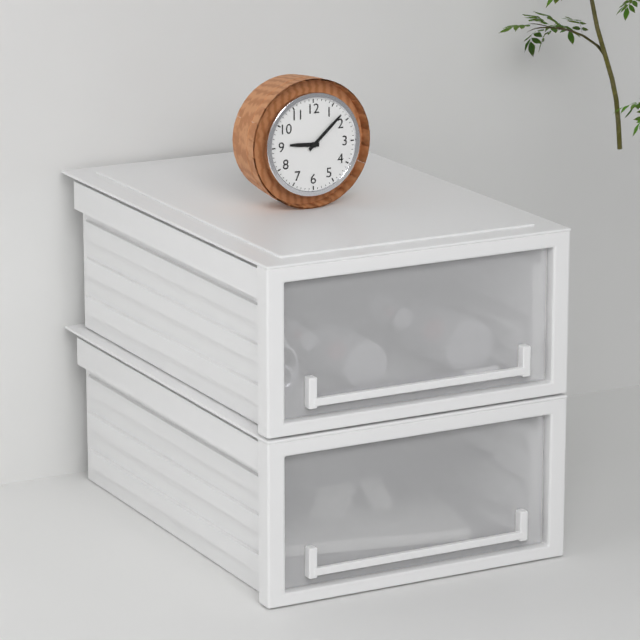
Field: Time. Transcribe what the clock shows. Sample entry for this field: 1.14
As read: 9.08
